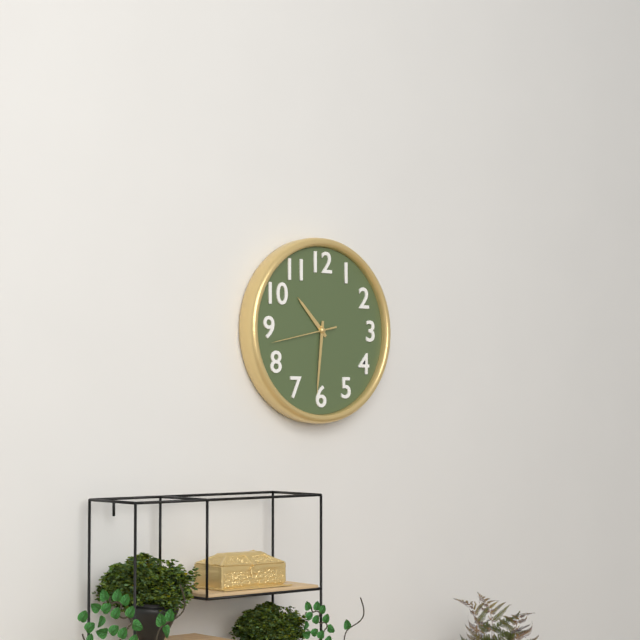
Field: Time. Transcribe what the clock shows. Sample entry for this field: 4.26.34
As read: 10.31.43
